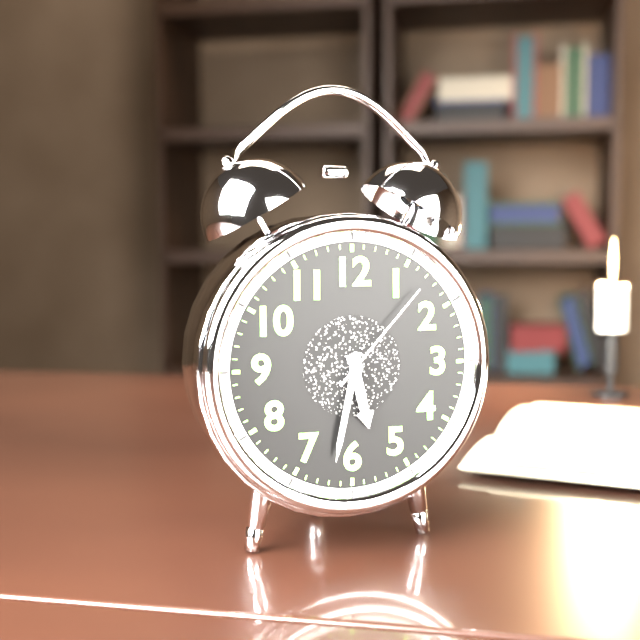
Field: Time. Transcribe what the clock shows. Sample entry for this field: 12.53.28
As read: 5.32.07
